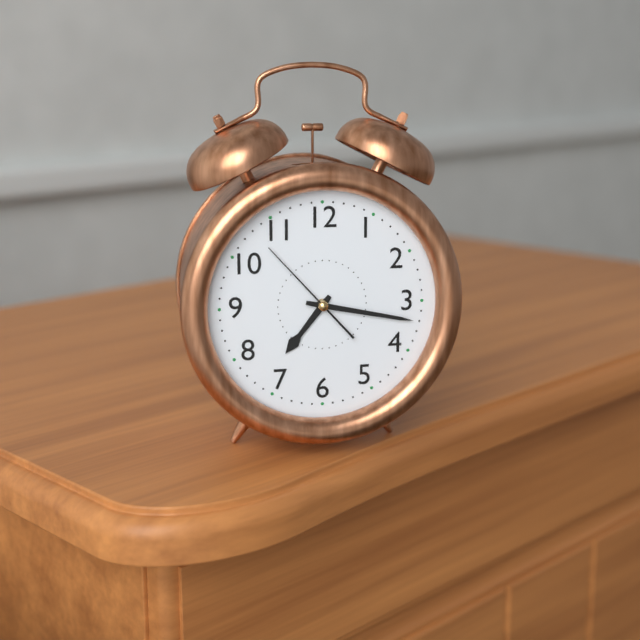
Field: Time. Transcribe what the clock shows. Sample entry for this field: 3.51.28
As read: 7.17.53
